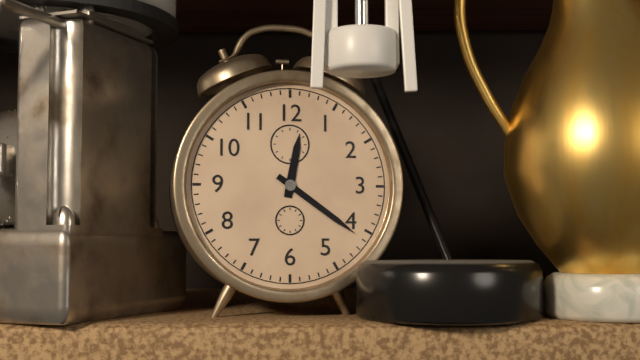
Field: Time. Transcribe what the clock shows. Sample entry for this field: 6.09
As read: 12.21
